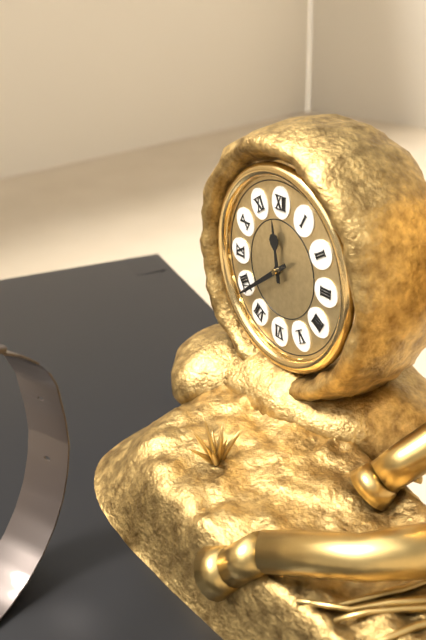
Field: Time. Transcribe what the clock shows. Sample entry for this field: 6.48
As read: 11.39
